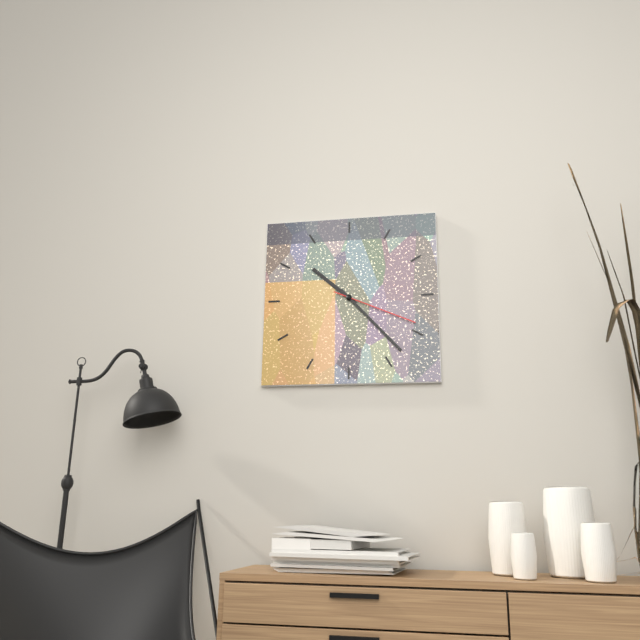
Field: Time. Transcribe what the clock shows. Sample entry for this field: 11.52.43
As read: 10.23.19
